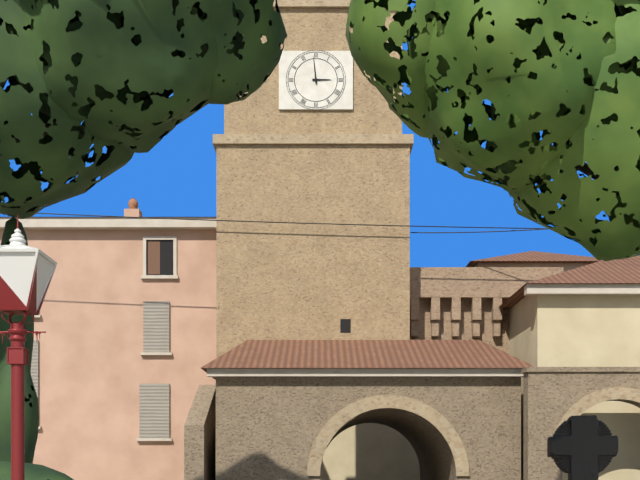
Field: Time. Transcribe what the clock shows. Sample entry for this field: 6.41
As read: 2.59
